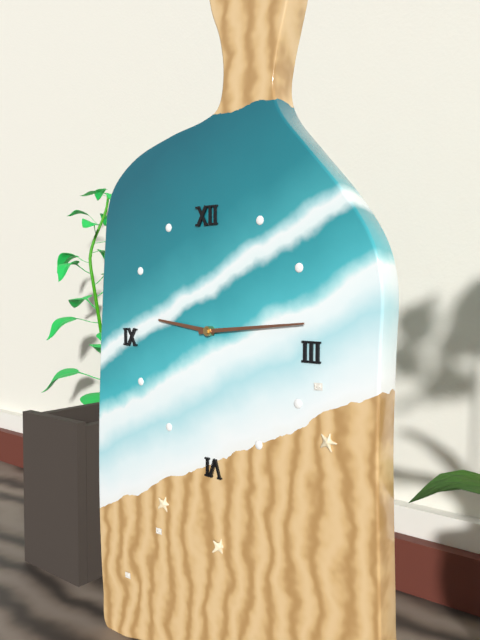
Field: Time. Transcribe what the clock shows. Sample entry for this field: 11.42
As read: 9.14
